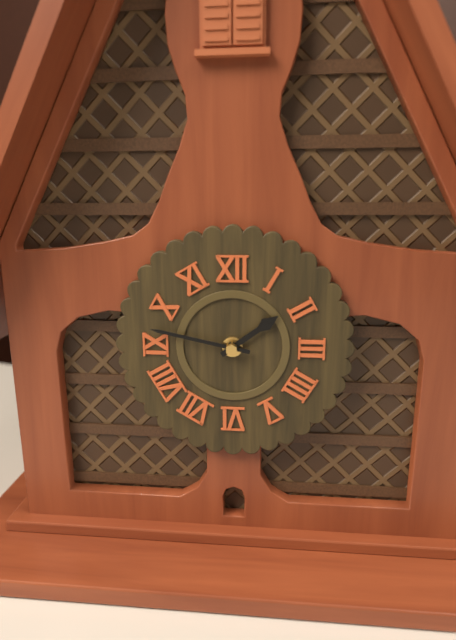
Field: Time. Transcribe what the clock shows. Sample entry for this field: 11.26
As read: 1.47
